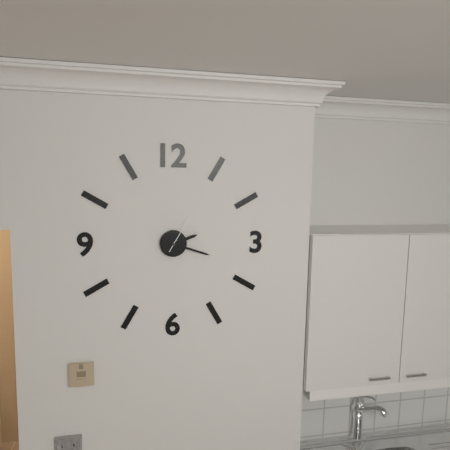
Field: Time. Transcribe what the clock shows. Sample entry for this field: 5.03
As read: 2.18
